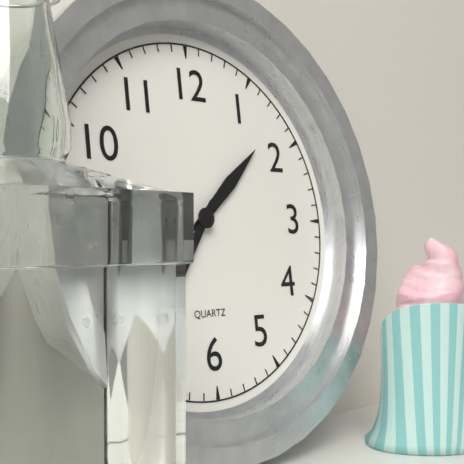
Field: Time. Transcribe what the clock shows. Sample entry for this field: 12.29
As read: 1.36
